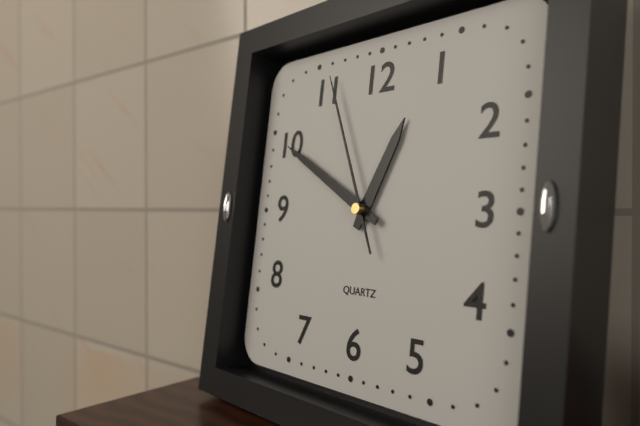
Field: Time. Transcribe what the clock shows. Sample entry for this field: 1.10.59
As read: 12.50.56
